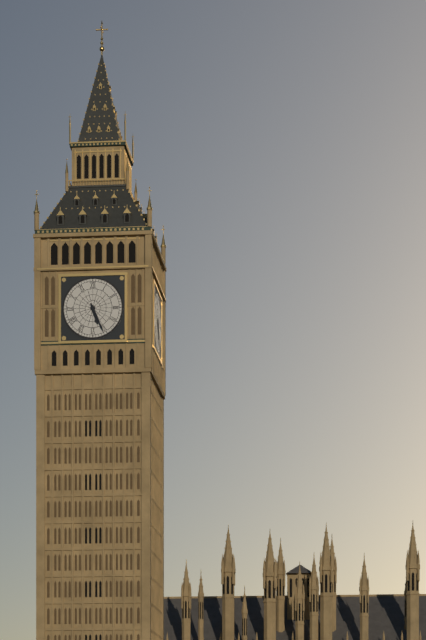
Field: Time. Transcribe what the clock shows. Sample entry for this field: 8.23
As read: 5.26
